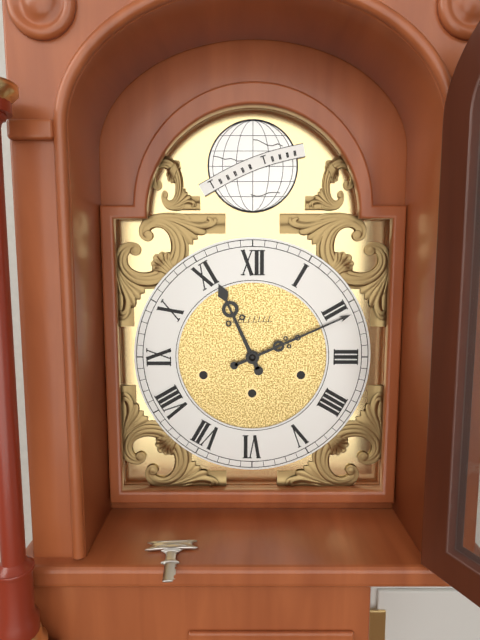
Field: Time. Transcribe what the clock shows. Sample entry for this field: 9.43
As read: 11.11
